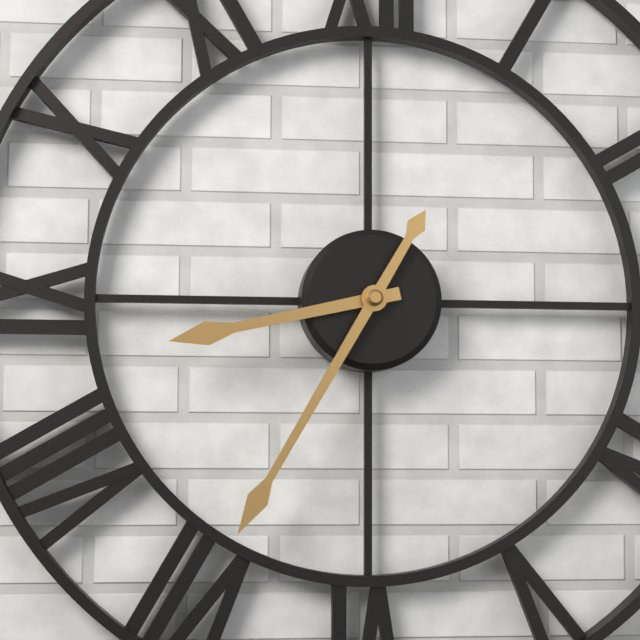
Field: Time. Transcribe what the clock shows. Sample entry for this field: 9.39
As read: 8.35
